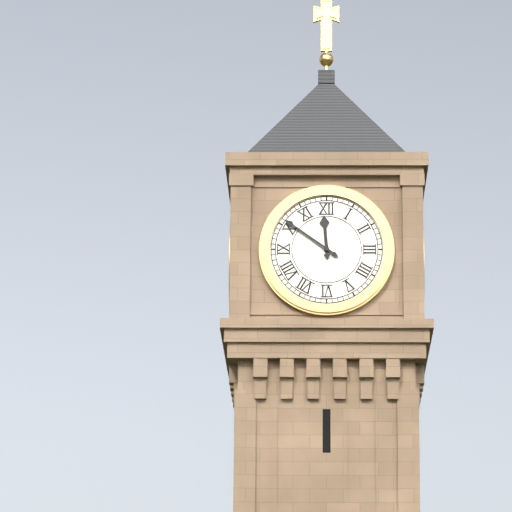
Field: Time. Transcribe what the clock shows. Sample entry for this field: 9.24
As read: 11.51
